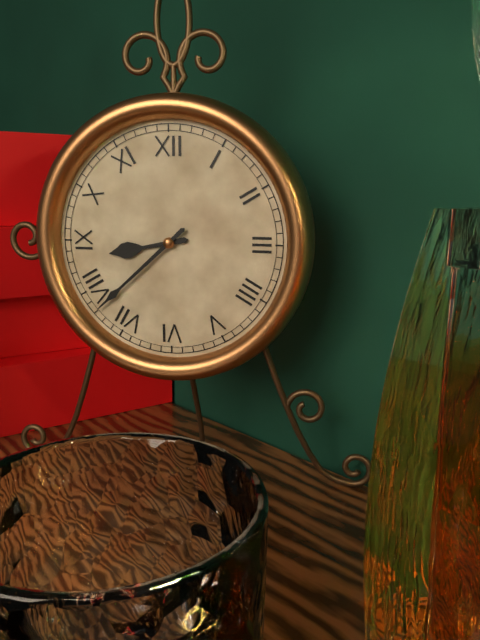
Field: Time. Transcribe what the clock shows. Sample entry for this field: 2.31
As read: 8.38
